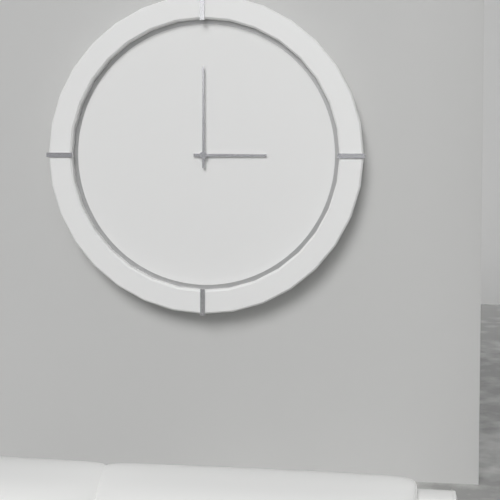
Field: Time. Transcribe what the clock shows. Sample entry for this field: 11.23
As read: 3.00
